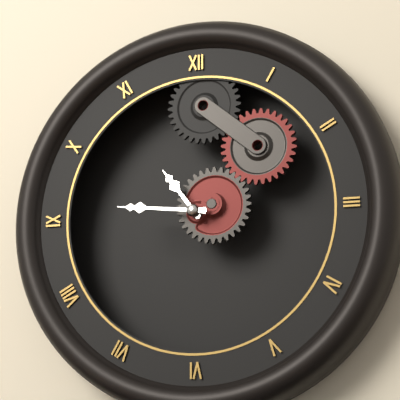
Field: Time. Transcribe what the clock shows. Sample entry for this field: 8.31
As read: 10.46
